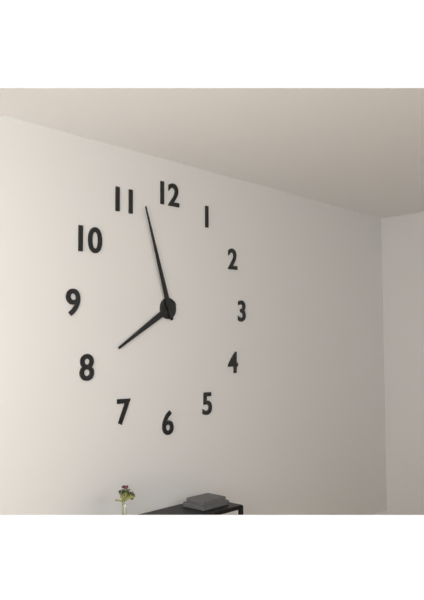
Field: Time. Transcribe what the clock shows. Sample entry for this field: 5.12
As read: 7.57
